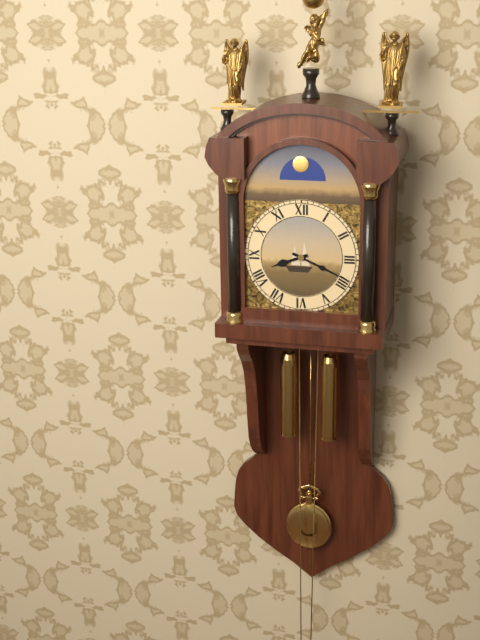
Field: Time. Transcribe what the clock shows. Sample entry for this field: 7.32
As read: 8.19
